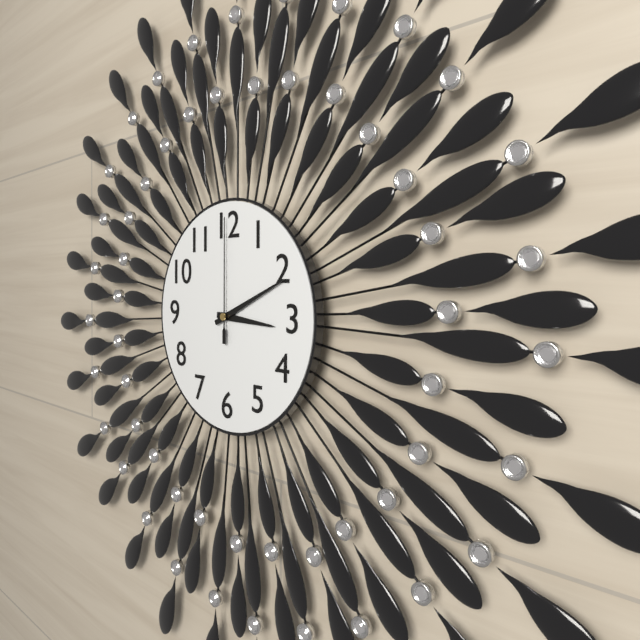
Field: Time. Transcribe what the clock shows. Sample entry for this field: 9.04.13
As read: 3.11.00
